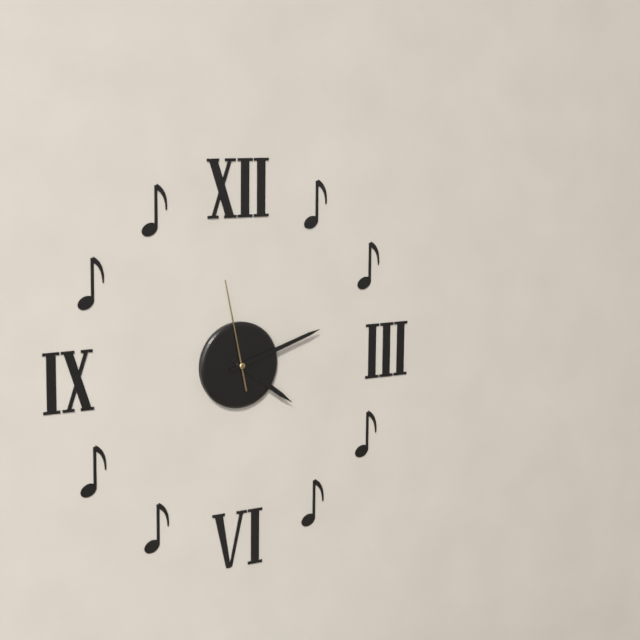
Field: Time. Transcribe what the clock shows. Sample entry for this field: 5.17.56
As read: 4.12.58
